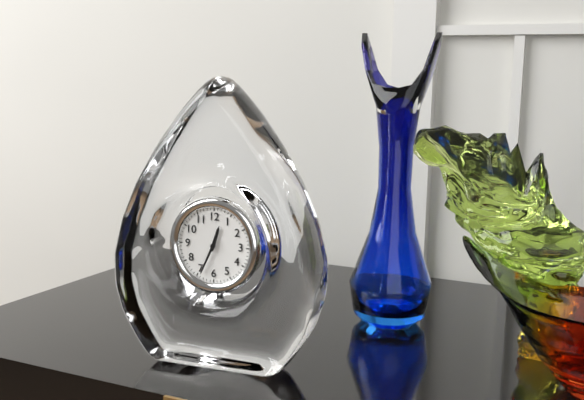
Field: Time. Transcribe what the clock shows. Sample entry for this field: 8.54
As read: 12.34
